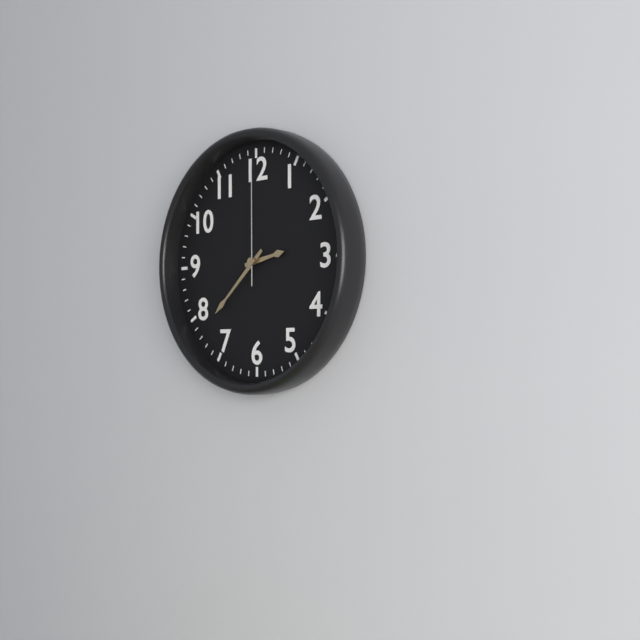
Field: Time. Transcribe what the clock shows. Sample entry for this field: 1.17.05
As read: 2.38.00
